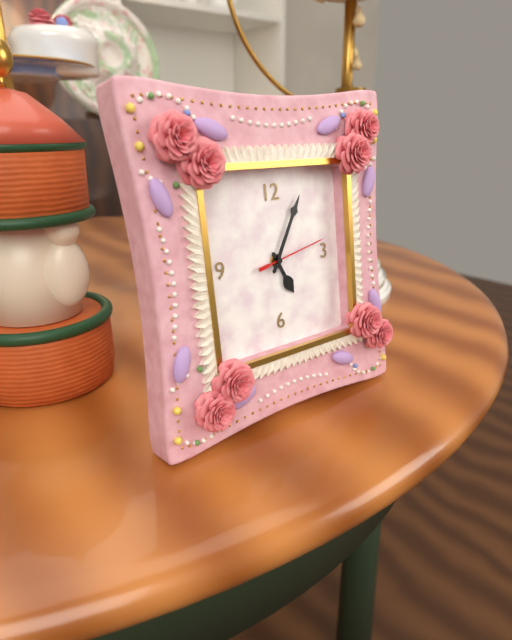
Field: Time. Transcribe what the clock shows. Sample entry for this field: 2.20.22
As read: 5.05.13
